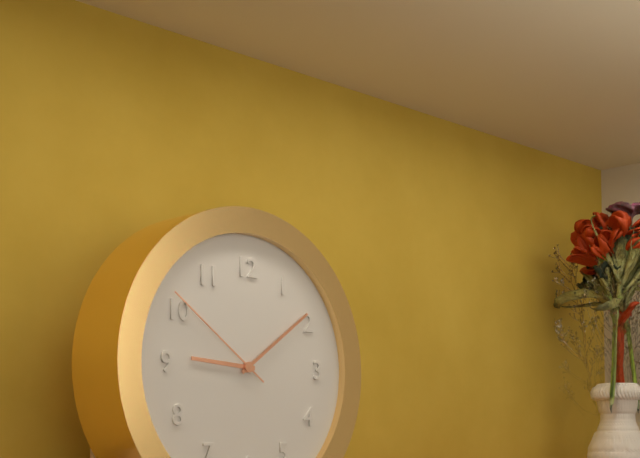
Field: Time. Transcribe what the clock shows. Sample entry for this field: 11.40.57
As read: 9.09.51
